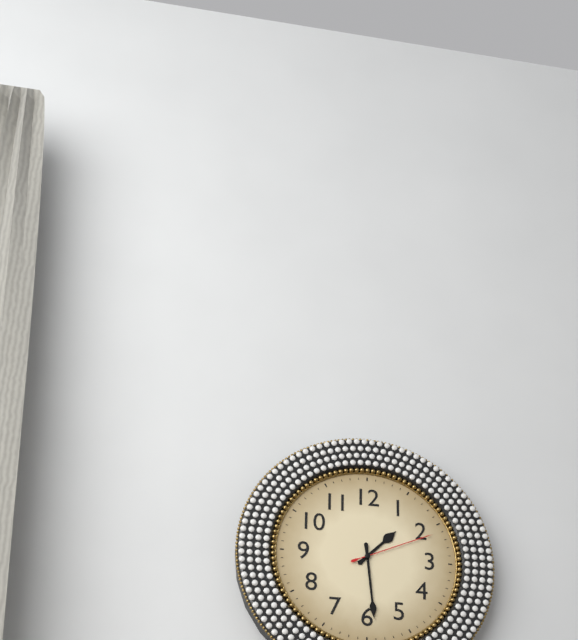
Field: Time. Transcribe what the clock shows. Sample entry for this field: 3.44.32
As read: 1.29.11
